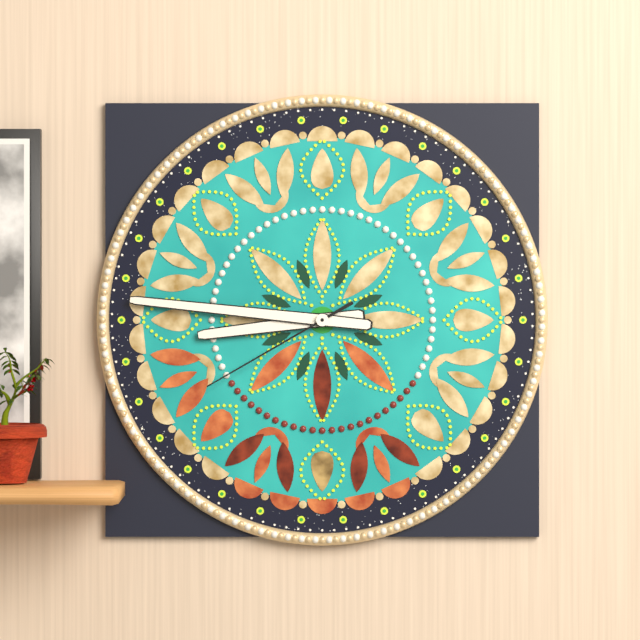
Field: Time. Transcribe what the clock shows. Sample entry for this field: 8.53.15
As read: 8.46.40
